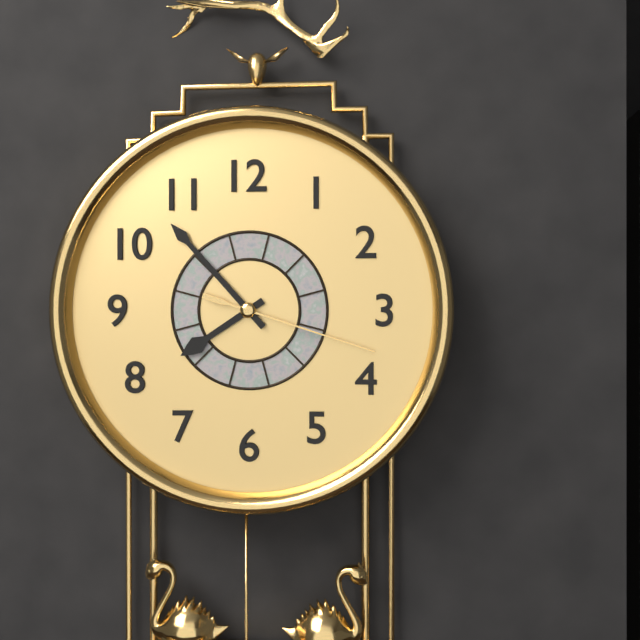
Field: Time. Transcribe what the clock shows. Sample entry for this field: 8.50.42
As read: 7.53.18
